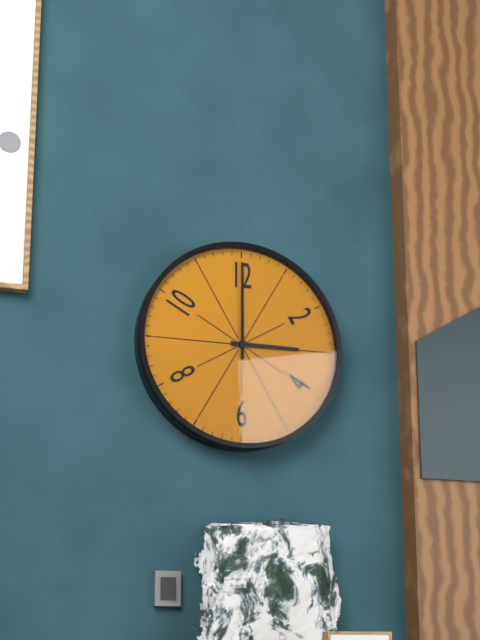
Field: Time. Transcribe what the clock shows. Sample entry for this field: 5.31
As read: 3.00
